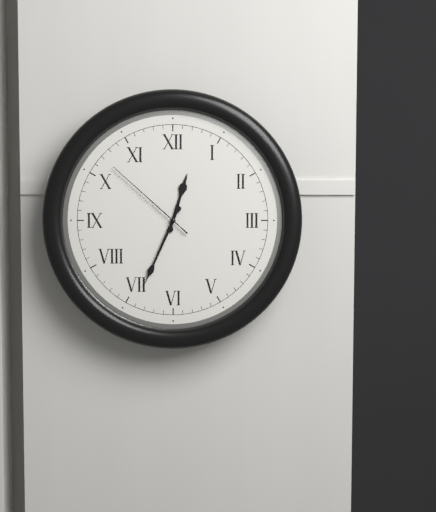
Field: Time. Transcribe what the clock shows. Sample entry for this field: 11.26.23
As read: 12.34.52
